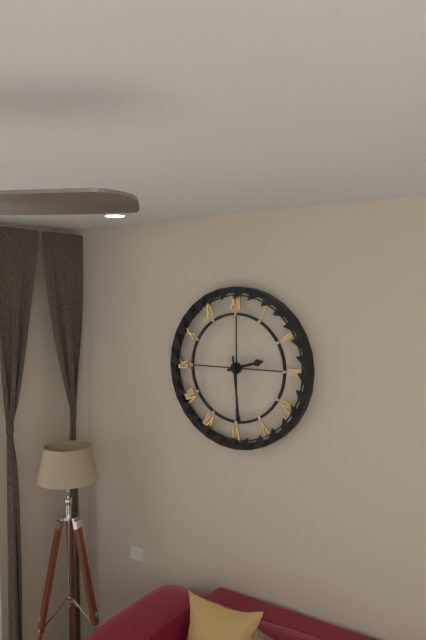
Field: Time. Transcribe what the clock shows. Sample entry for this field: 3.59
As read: 2.29
